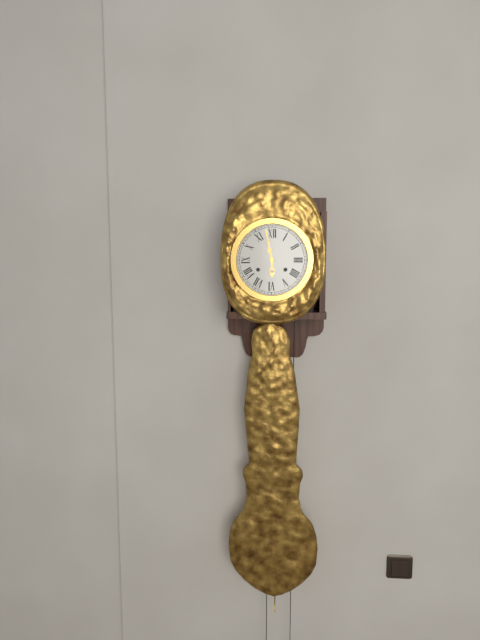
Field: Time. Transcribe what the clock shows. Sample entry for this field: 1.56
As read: 5.58
